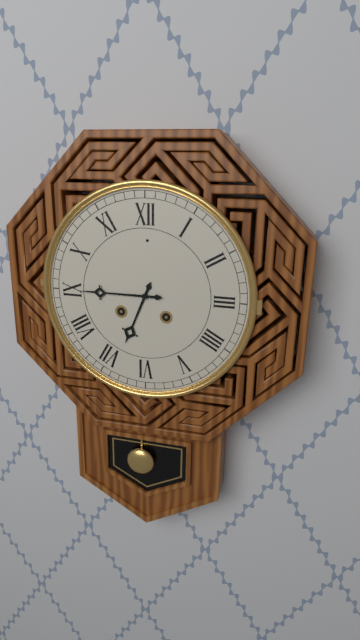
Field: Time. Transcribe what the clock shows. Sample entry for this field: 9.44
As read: 6.45
